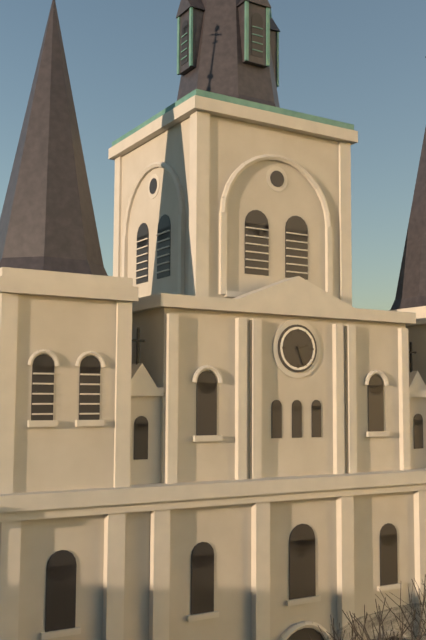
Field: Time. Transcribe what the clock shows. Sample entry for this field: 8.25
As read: 2.26
